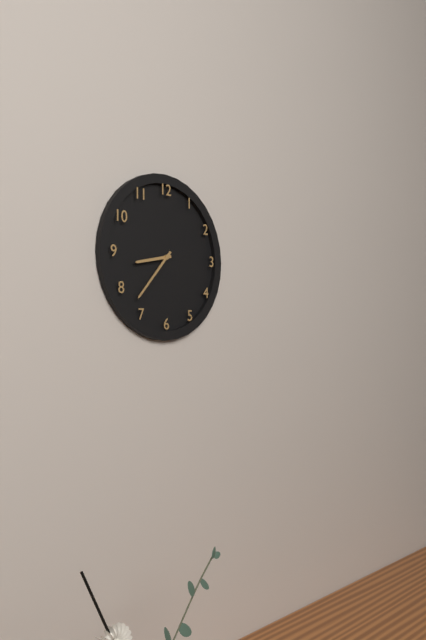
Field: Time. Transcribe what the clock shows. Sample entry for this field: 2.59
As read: 8.37
